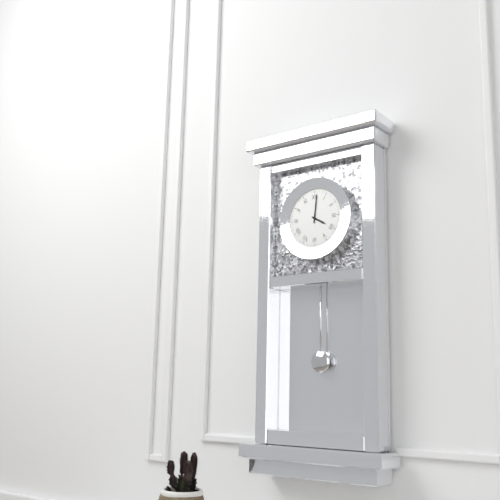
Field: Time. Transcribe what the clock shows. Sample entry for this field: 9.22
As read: 4.01
